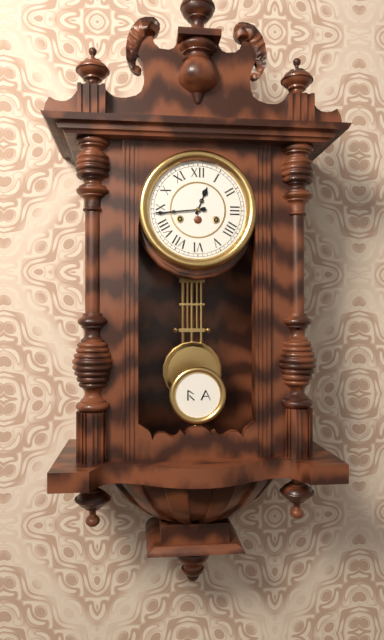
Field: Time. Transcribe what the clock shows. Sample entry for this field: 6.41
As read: 12.44
